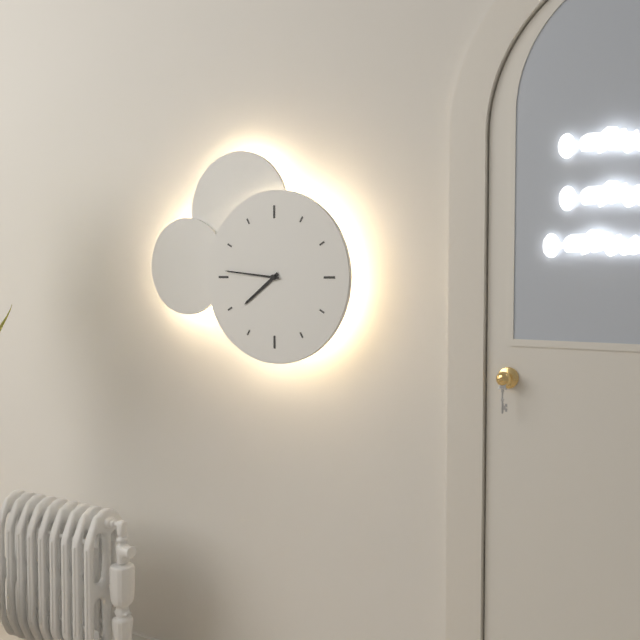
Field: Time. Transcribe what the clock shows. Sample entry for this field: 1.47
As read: 7.46
